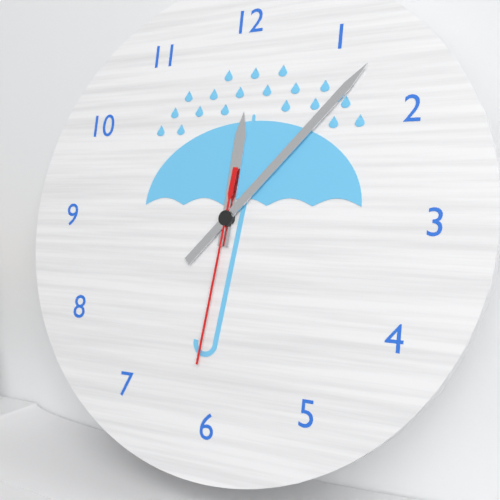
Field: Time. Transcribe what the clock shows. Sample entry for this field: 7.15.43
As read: 12.07.31
